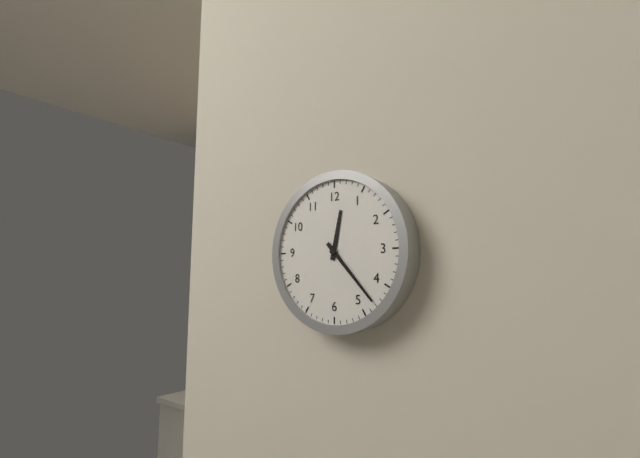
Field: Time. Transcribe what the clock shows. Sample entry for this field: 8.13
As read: 12.23
